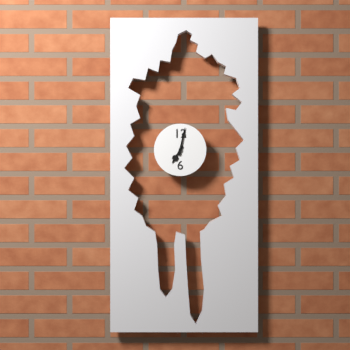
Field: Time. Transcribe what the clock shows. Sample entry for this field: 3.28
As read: 7.02
